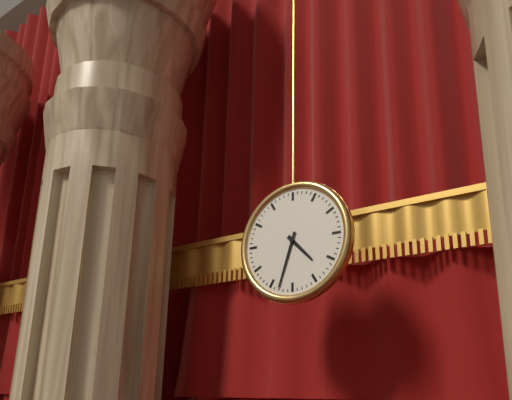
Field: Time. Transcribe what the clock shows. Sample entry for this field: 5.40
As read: 4.33
